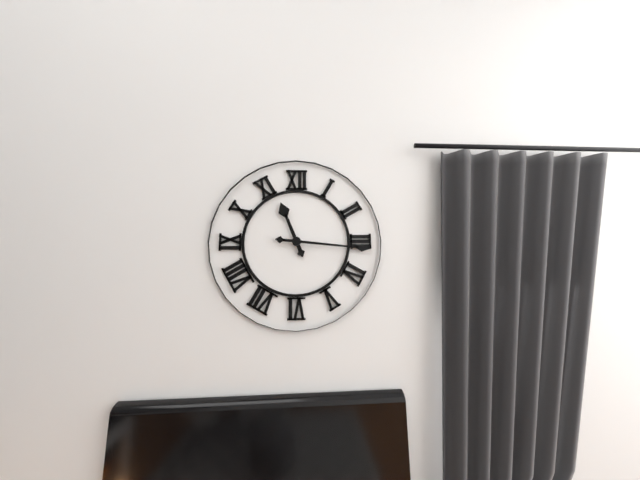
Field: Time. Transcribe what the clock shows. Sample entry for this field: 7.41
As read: 11.16
